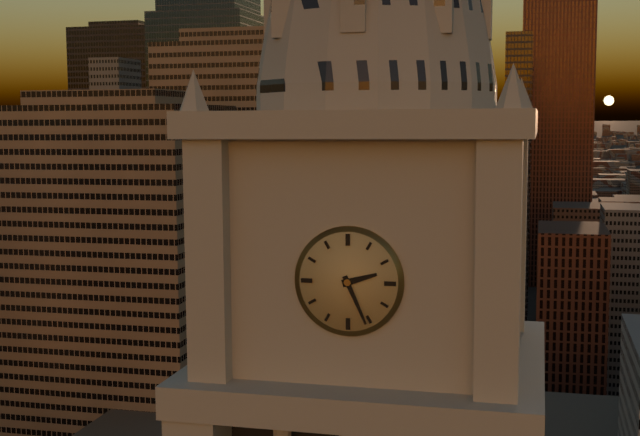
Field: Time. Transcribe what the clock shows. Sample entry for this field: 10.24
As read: 2.26
